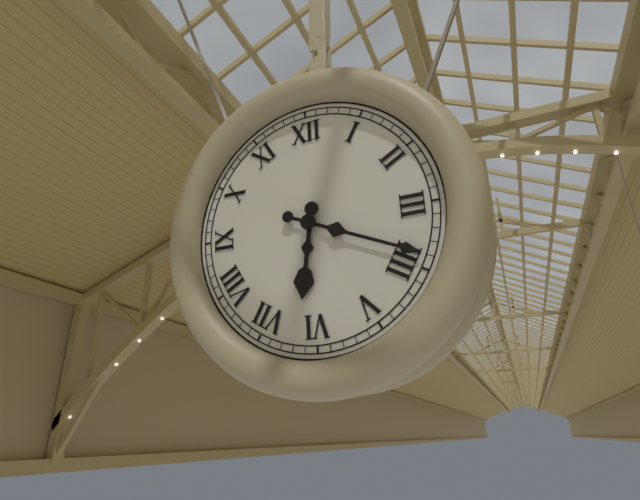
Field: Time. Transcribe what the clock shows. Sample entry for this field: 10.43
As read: 6.19
